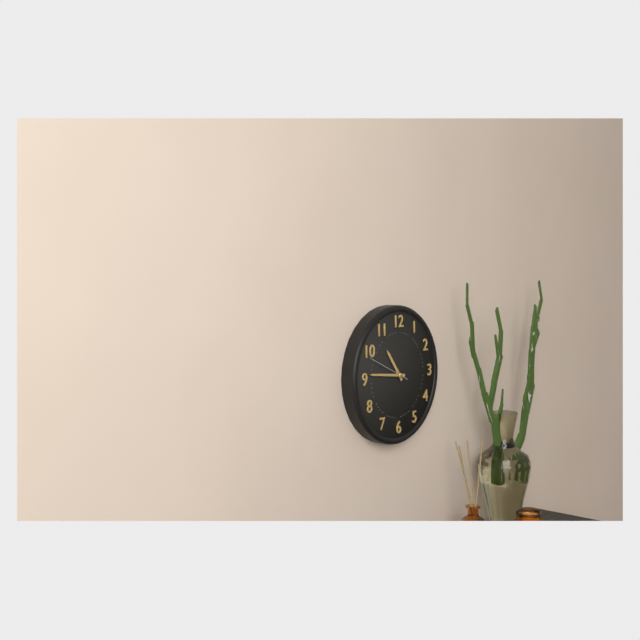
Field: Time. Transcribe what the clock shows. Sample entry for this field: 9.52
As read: 10.46
